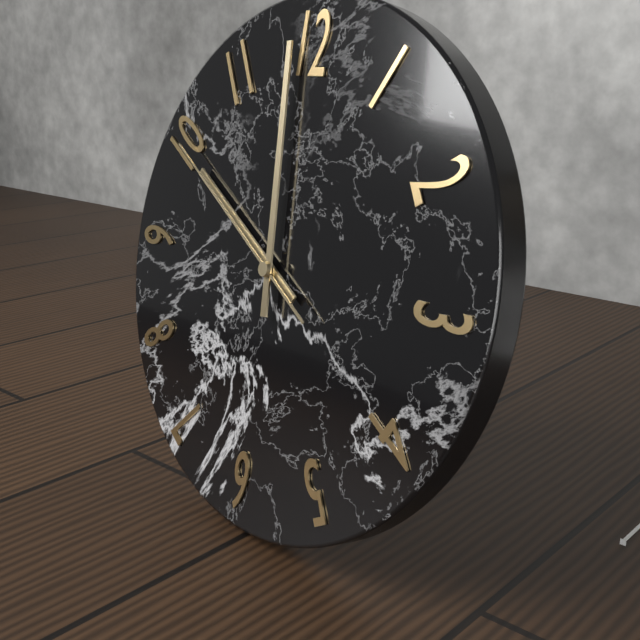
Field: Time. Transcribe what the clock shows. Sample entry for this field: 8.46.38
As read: 9.59.50
